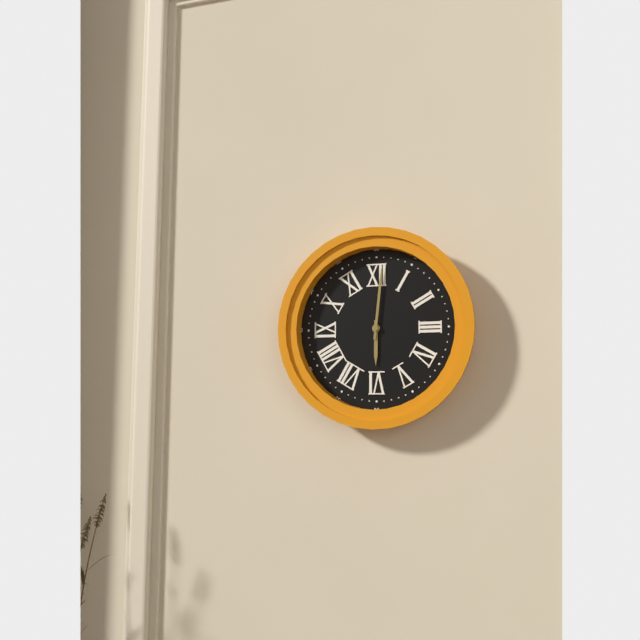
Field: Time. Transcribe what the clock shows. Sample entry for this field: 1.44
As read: 6.01
